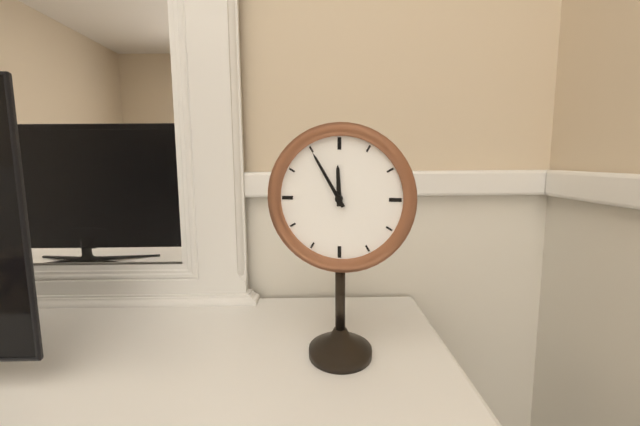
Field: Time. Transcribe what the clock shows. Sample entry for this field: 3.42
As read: 11.55
